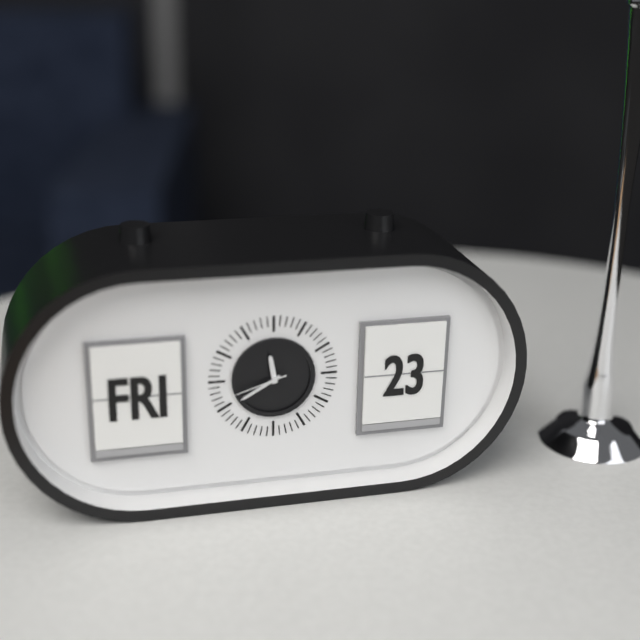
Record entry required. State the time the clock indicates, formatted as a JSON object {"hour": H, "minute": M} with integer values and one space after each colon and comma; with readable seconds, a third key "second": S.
{"hour": 11, "minute": 40, "second": 42}
